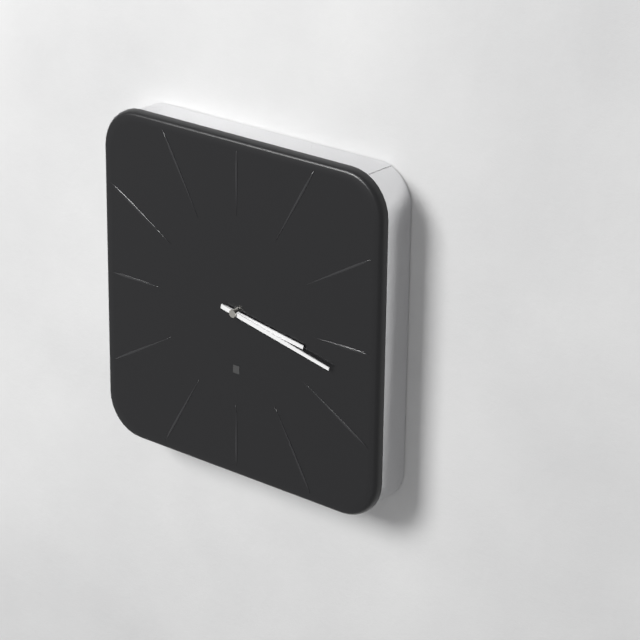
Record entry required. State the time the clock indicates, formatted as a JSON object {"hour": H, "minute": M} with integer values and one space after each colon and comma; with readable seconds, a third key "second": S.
{"hour": 3, "minute": 17}
